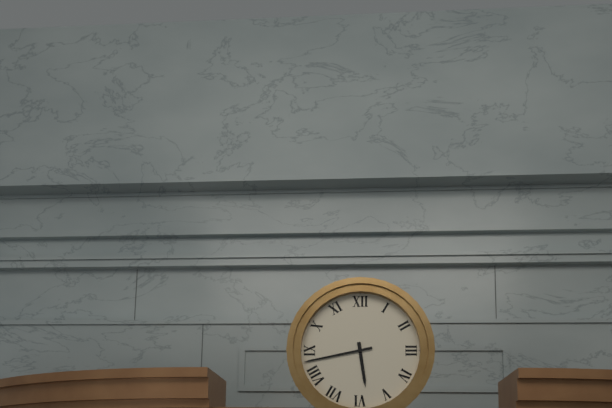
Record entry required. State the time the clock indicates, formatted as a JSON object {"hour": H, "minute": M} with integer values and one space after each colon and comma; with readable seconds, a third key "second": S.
{"hour": 5, "minute": 43}
